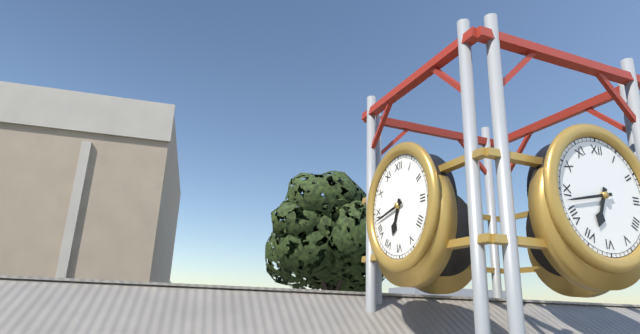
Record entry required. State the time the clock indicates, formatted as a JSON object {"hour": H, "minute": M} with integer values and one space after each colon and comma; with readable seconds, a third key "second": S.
{"hour": 6, "minute": 43}
